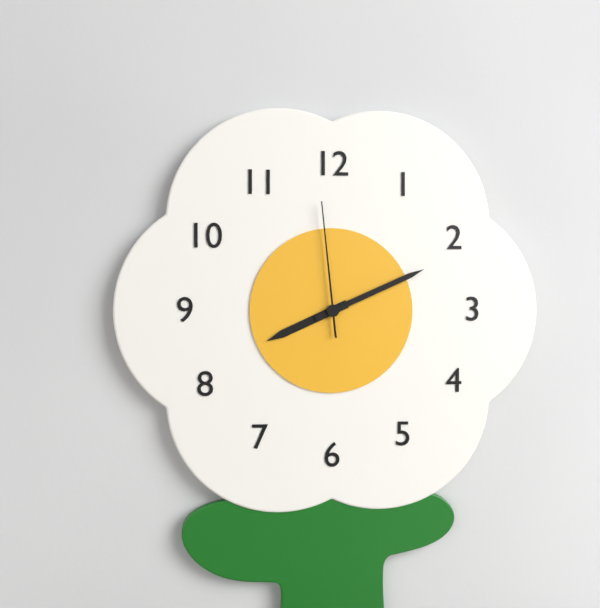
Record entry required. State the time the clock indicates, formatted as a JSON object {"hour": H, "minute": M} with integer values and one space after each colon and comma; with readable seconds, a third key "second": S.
{"hour": 8, "minute": 11, "second": 59}
